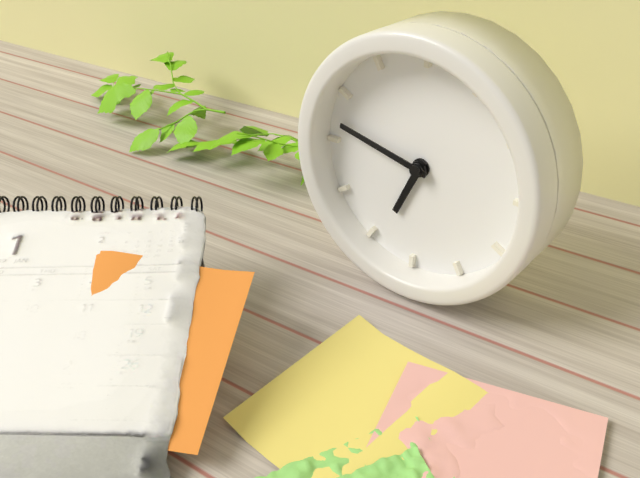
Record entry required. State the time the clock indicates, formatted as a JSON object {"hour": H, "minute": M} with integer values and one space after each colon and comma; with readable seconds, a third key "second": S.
{"hour": 6, "minute": 47}
